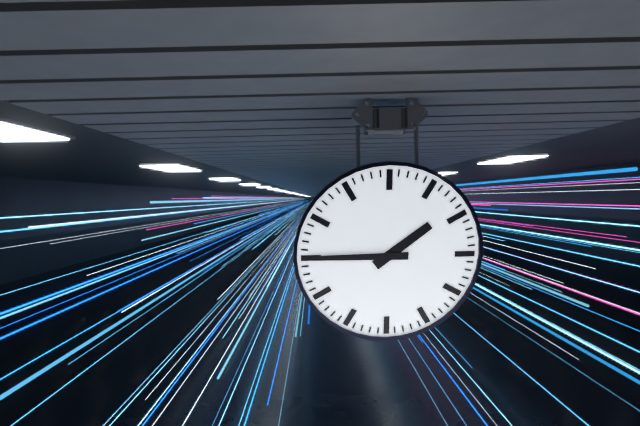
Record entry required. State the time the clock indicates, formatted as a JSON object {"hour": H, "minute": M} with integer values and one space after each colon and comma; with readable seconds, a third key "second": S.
{"hour": 1, "minute": 45}
